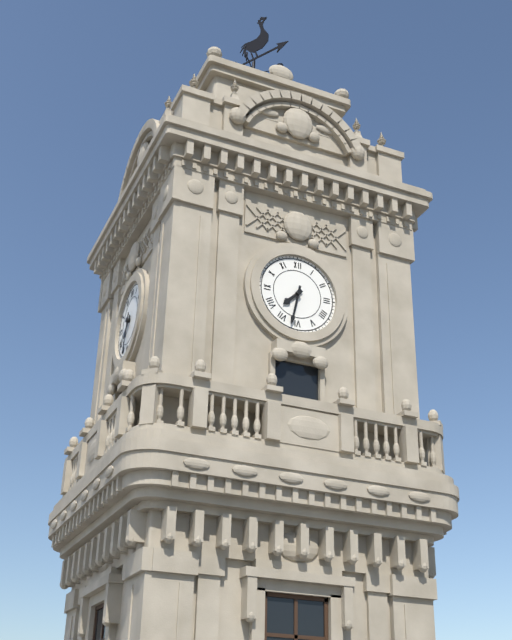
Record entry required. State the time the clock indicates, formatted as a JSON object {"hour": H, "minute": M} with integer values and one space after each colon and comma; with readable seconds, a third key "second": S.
{"hour": 7, "minute": 32}
